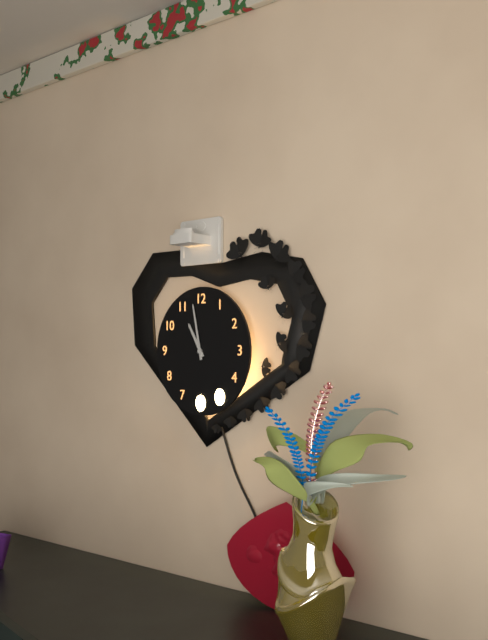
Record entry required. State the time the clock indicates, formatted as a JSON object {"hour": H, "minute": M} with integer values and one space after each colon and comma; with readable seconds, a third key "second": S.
{"hour": 10, "minute": 58}
